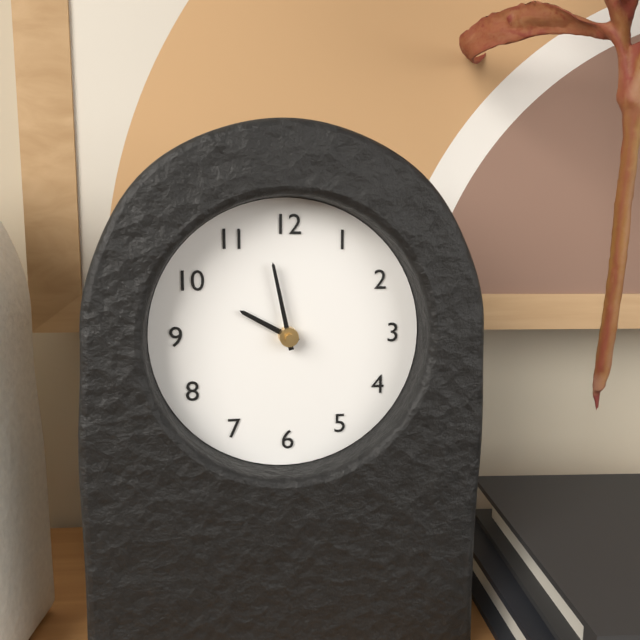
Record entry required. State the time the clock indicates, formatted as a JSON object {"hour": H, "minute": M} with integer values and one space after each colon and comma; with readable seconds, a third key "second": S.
{"hour": 9, "minute": 58}
